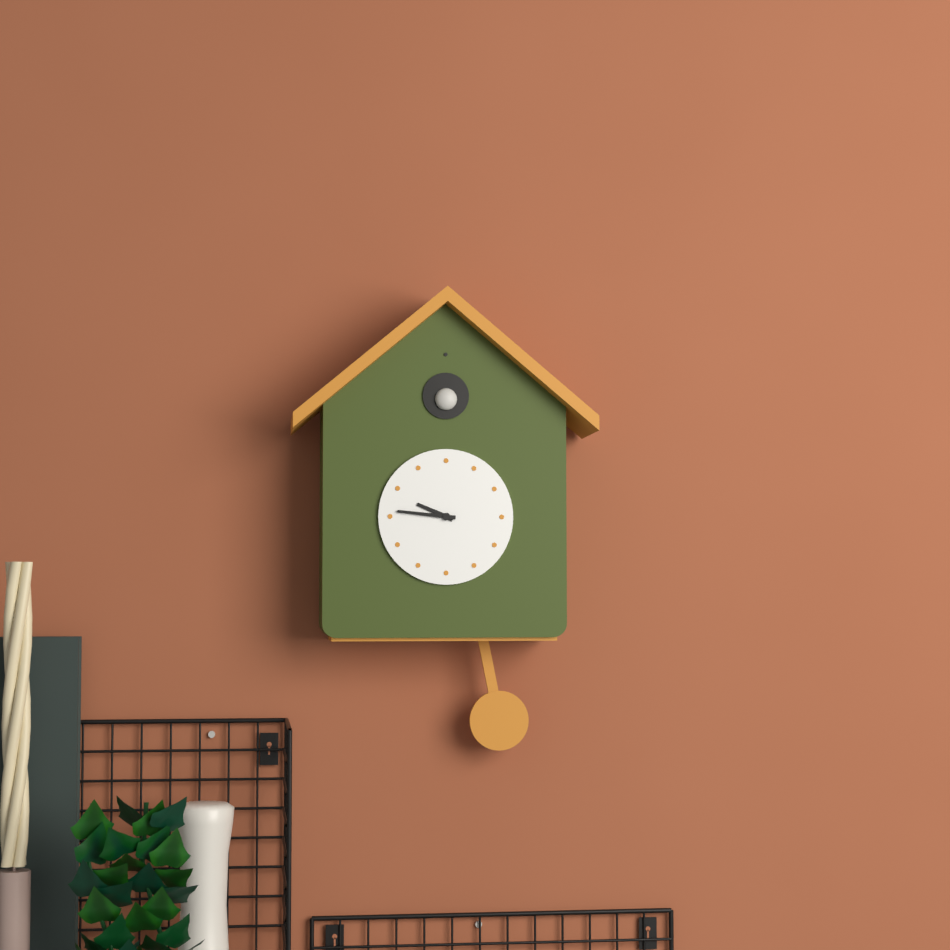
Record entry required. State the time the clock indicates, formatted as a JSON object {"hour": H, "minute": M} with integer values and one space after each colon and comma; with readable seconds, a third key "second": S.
{"hour": 9, "minute": 46}
